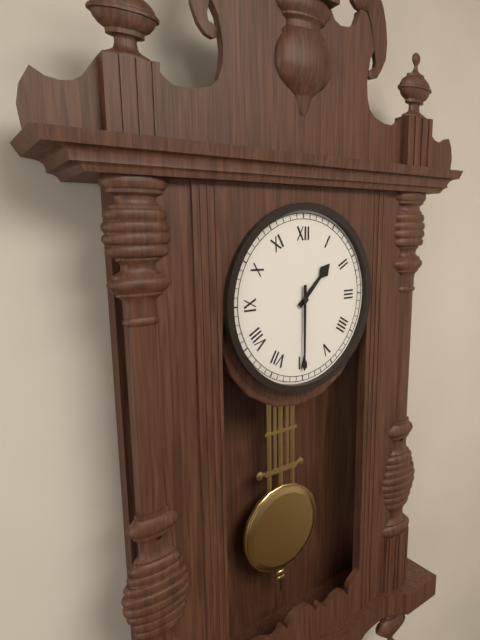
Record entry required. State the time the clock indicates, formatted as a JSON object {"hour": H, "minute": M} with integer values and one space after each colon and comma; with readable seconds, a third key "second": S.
{"hour": 1, "minute": 30}
